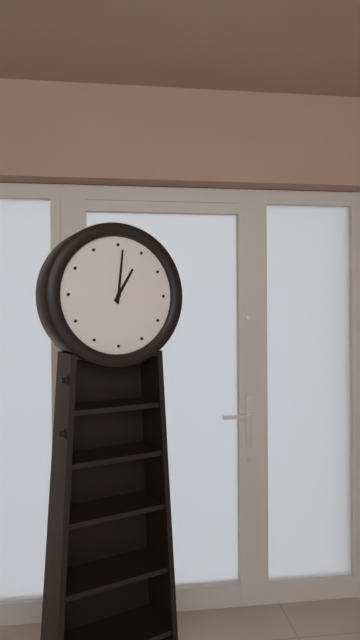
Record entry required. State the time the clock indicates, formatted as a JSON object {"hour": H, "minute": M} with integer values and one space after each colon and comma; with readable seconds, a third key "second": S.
{"hour": 1, "minute": 1}
